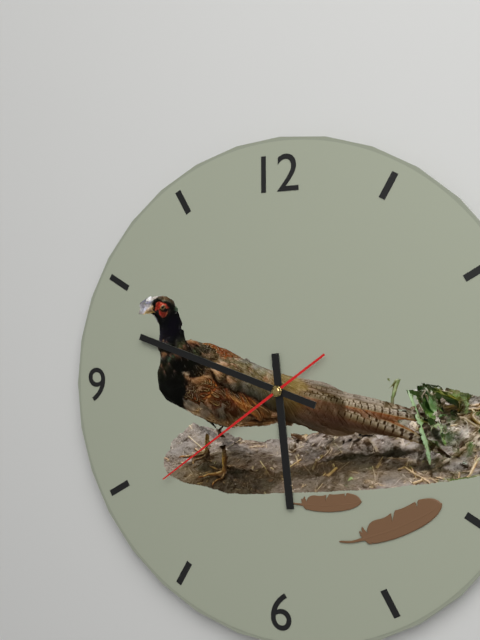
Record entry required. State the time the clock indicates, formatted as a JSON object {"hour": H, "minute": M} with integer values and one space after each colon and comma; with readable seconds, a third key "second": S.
{"hour": 5, "minute": 48, "second": 39}
